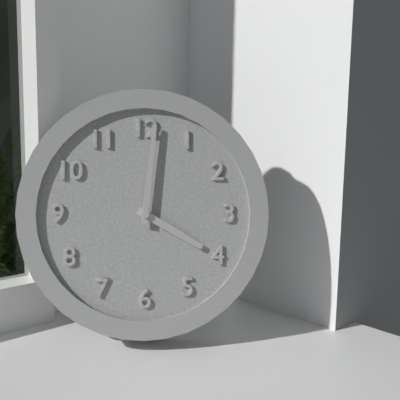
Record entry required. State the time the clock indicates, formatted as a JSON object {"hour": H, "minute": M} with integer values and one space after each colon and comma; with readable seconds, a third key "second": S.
{"hour": 4, "minute": 1}
